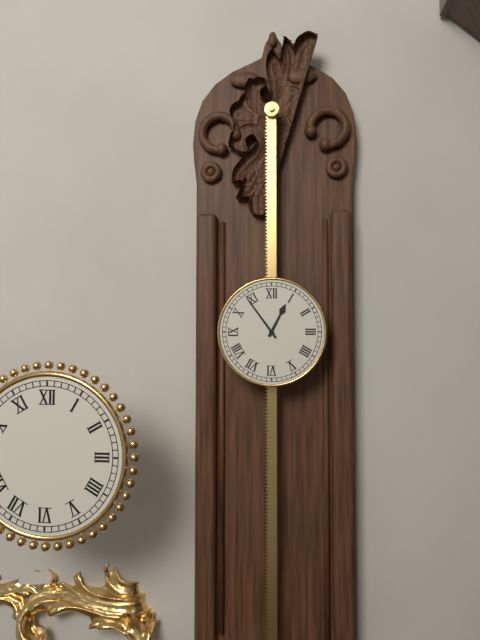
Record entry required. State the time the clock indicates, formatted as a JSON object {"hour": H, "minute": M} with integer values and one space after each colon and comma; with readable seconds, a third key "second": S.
{"hour": 12, "minute": 54}
